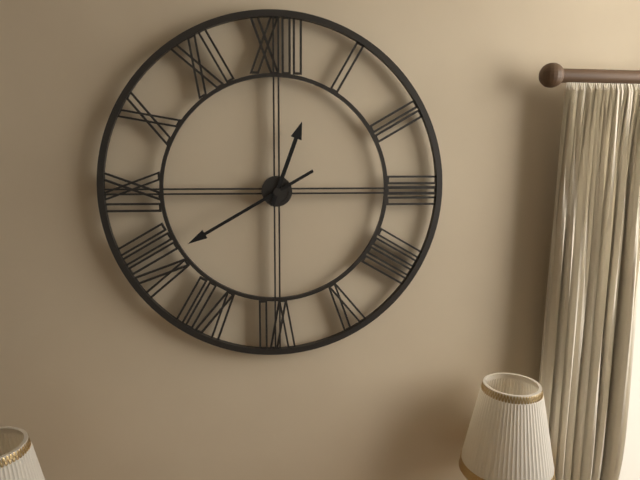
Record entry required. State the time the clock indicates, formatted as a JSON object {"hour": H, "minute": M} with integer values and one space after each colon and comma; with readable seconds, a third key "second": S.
{"hour": 12, "minute": 40}
